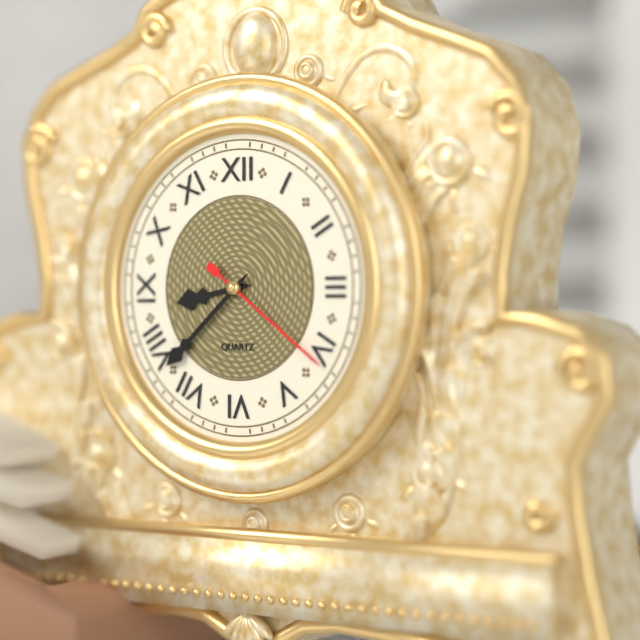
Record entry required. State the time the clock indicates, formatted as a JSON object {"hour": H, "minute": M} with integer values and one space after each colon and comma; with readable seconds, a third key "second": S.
{"hour": 8, "minute": 38, "second": 21}
